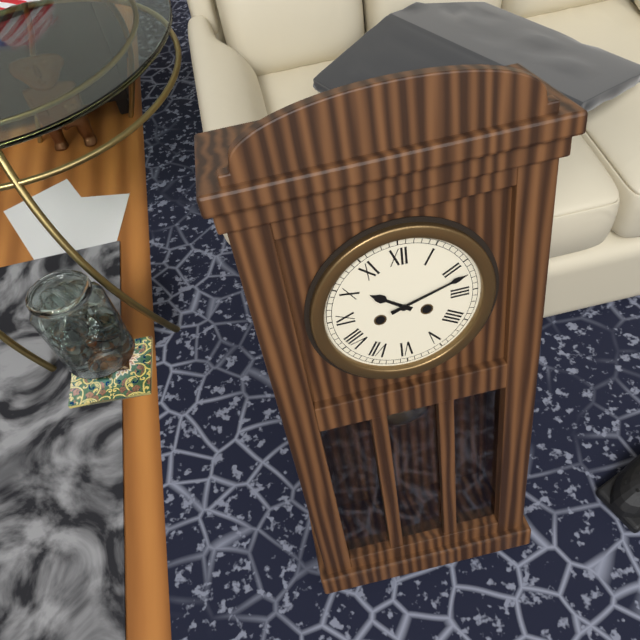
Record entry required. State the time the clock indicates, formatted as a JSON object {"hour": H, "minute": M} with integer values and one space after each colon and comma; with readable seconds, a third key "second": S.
{"hour": 10, "minute": 12}
